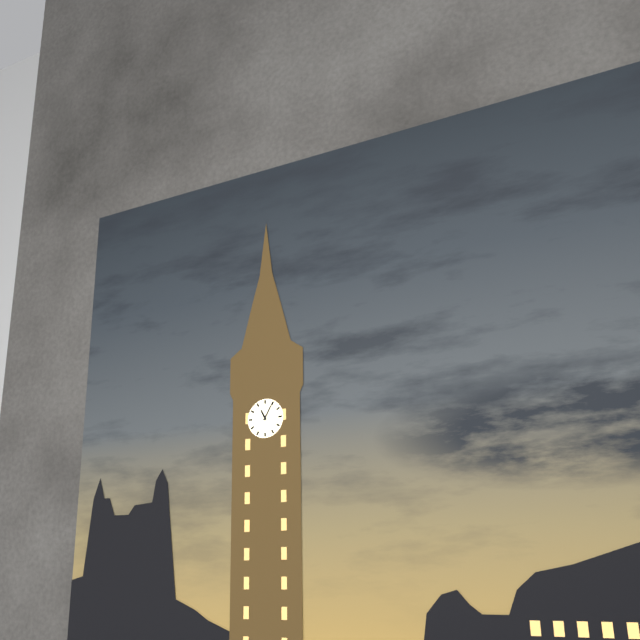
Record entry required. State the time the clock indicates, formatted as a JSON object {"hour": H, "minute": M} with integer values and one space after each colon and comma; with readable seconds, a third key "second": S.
{"hour": 11, "minute": 5}
